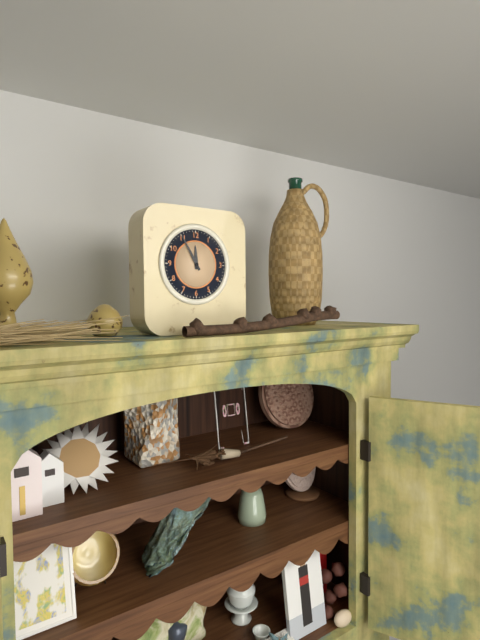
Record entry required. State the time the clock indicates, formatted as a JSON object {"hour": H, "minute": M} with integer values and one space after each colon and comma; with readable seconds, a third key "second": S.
{"hour": 11, "minute": 55}
